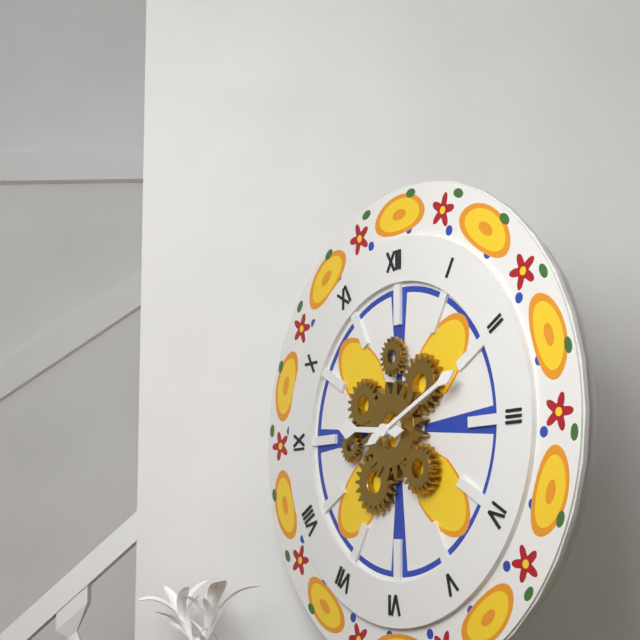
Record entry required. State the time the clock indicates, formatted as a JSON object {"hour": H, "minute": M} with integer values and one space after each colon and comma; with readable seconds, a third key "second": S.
{"hour": 9, "minute": 11}
